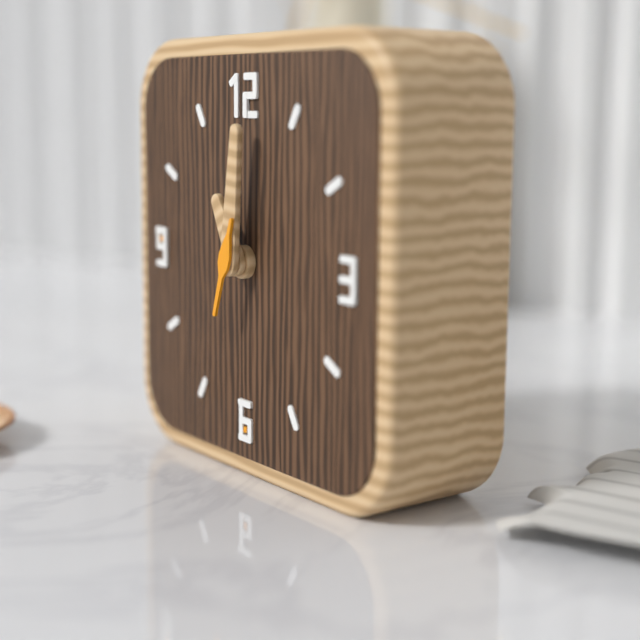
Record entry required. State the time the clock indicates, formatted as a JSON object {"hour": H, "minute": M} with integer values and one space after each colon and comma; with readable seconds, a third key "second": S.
{"hour": 11, "minute": 1, "second": 33}
